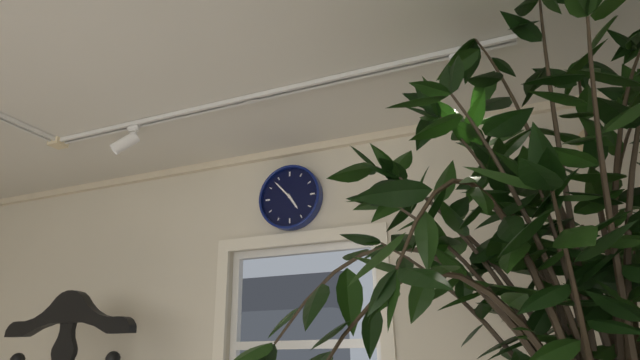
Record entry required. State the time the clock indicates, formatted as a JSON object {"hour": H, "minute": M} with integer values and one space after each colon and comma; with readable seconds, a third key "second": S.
{"hour": 4, "minute": 53}
